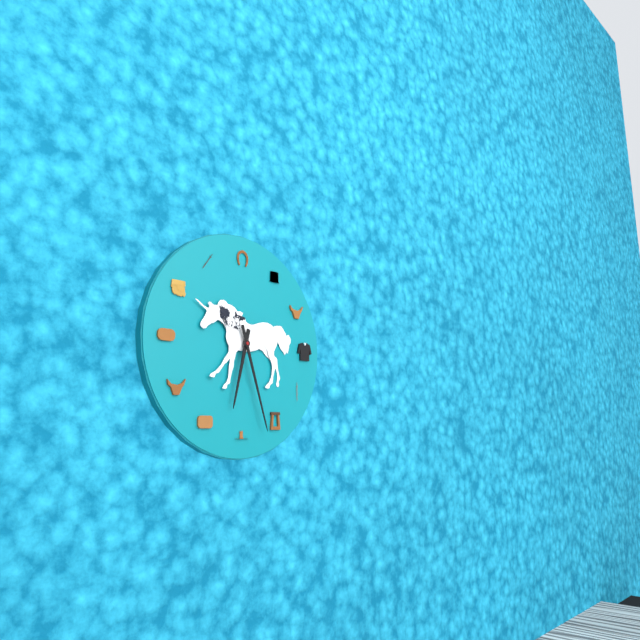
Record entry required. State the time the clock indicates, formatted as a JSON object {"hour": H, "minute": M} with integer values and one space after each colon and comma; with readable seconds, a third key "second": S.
{"hour": 6, "minute": 27}
